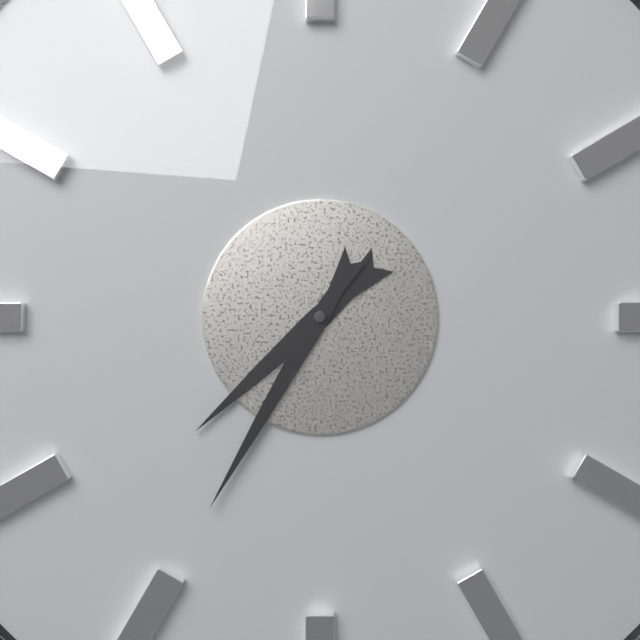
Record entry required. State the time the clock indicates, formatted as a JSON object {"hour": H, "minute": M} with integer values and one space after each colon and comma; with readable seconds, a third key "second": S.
{"hour": 7, "minute": 35}
